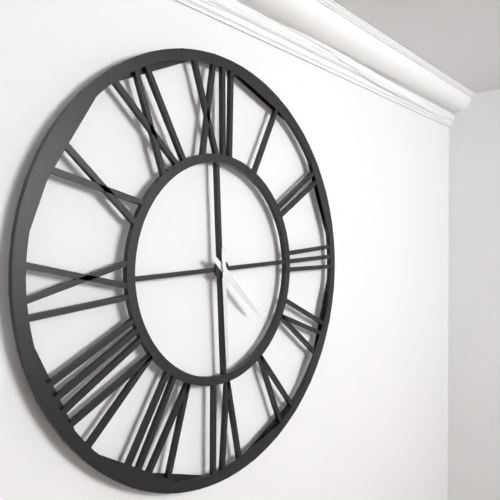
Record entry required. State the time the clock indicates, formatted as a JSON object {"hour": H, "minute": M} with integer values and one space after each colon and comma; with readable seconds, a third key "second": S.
{"hour": 4, "minute": 30}
